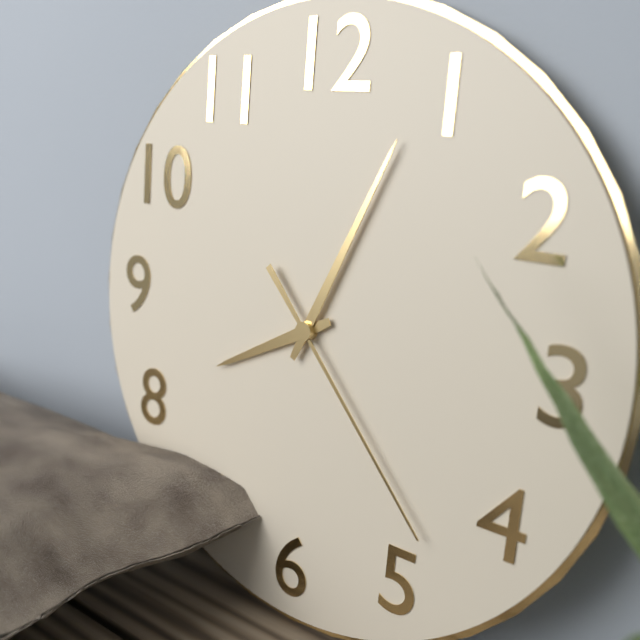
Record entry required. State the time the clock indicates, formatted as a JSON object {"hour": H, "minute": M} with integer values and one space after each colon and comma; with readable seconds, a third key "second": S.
{"hour": 8, "minute": 4, "second": 23}
